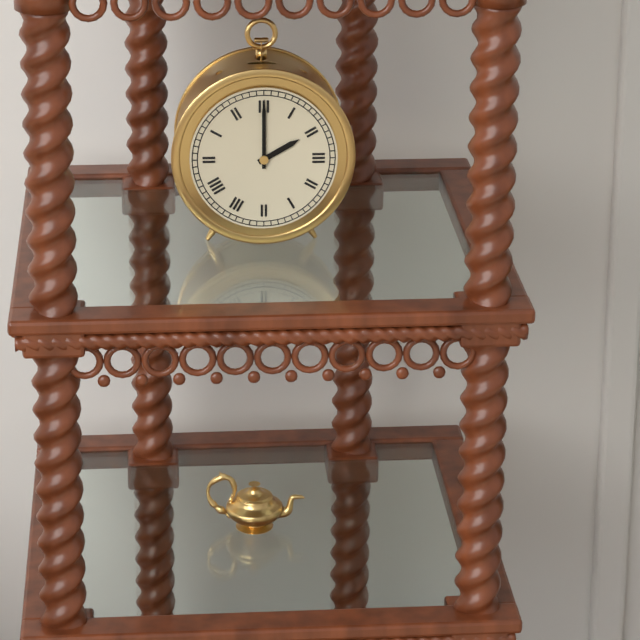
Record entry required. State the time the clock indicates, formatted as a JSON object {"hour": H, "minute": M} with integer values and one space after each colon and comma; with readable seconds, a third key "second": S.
{"hour": 2, "minute": 0}
